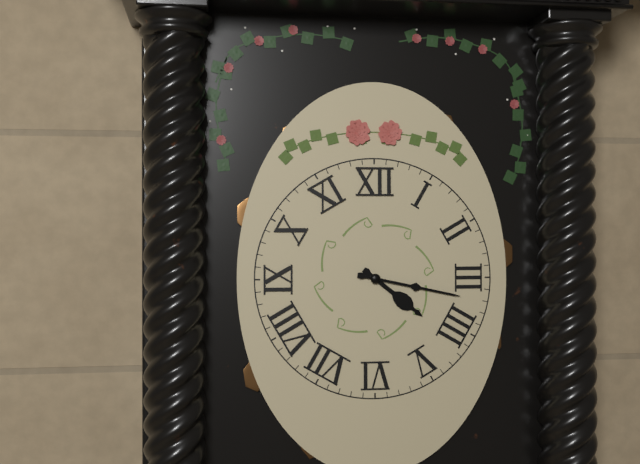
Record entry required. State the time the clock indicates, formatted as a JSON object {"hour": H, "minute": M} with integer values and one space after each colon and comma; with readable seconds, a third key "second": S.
{"hour": 4, "minute": 17}
